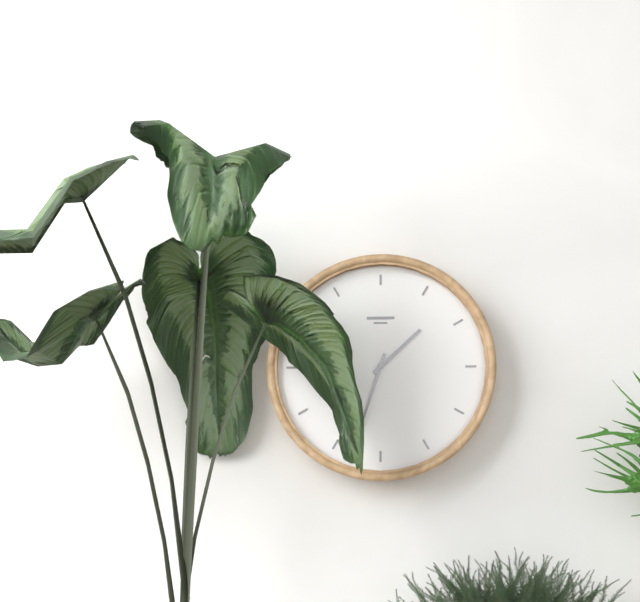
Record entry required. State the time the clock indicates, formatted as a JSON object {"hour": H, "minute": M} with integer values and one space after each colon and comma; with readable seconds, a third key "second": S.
{"hour": 1, "minute": 33}
